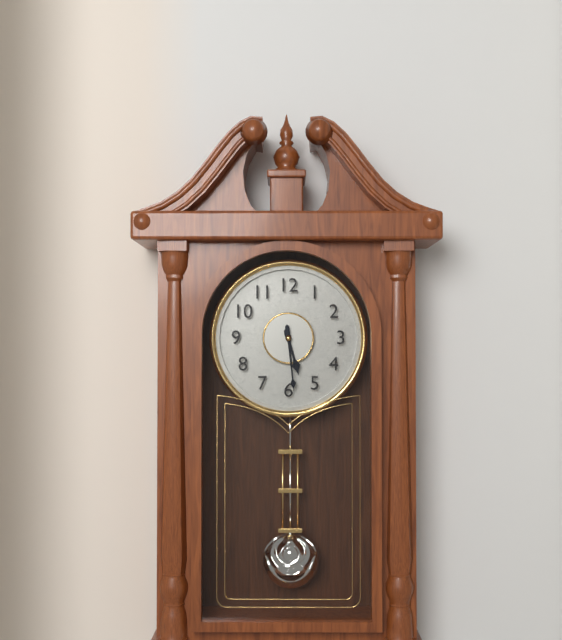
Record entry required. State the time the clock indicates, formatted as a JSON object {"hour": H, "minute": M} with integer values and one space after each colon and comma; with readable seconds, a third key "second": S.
{"hour": 5, "minute": 29}
